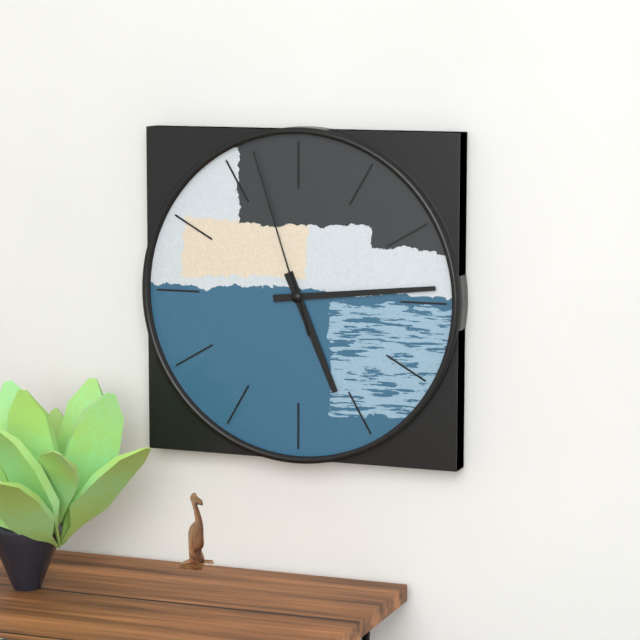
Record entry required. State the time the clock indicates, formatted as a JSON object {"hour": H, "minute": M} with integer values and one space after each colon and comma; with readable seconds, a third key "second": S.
{"hour": 5, "minute": 14, "second": 57}
